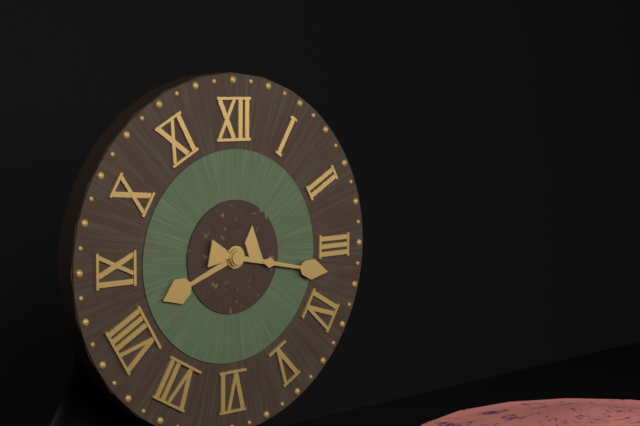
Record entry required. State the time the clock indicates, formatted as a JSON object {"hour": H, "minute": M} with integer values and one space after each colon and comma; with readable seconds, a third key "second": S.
{"hour": 8, "minute": 17}
